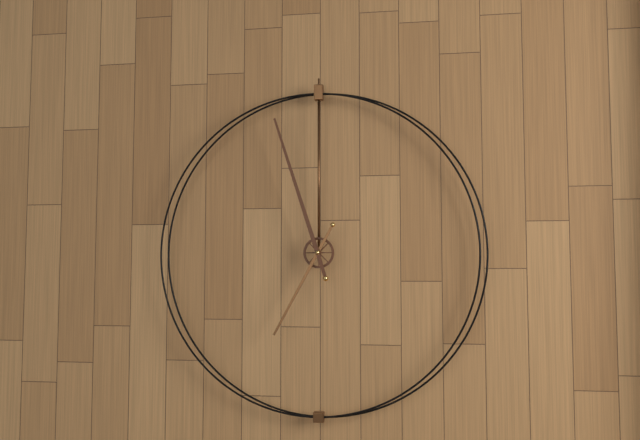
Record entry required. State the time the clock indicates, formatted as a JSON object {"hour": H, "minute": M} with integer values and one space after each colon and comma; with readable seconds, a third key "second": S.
{"hour": 6, "minute": 57}
